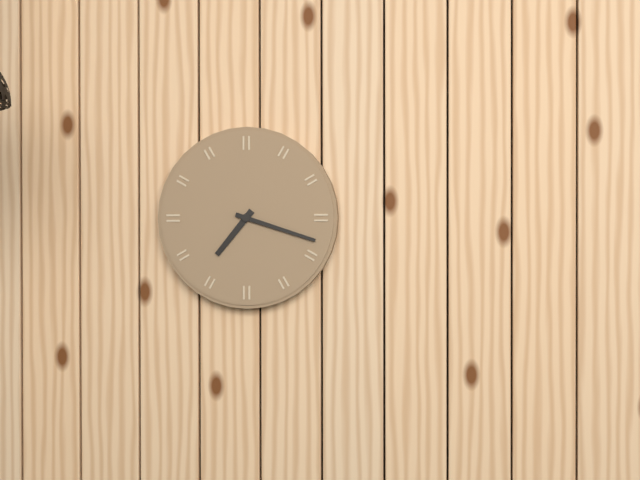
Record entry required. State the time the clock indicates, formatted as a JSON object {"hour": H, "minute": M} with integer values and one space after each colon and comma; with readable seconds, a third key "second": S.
{"hour": 7, "minute": 18}
